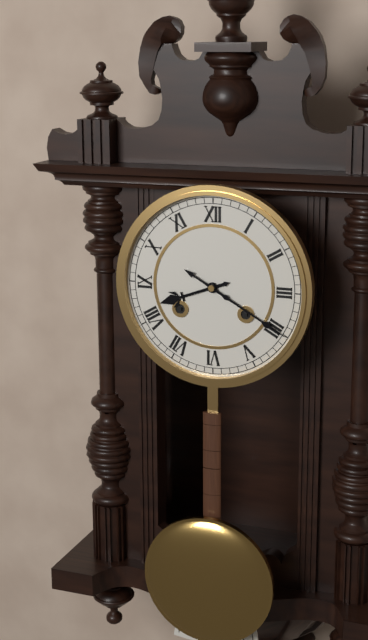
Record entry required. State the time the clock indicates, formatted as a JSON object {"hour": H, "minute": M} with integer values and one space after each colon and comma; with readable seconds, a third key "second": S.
{"hour": 8, "minute": 20}
